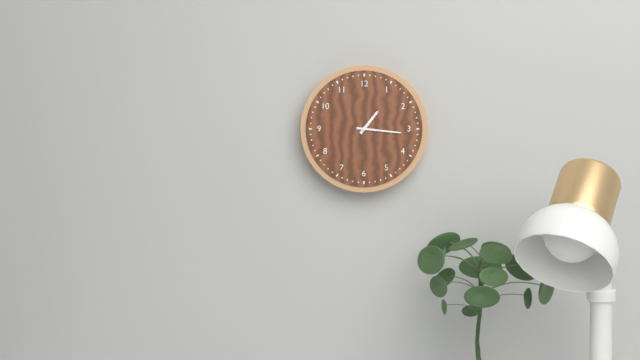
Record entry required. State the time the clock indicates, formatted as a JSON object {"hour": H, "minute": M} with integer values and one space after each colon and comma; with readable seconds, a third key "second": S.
{"hour": 1, "minute": 16}
